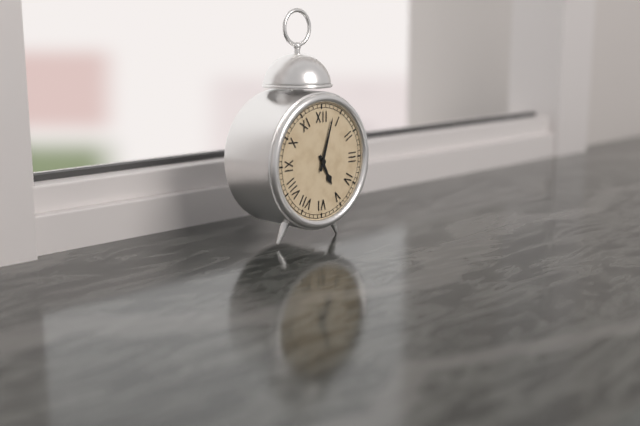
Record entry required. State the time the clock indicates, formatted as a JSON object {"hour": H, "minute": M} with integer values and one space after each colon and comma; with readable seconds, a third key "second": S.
{"hour": 5, "minute": 3}
